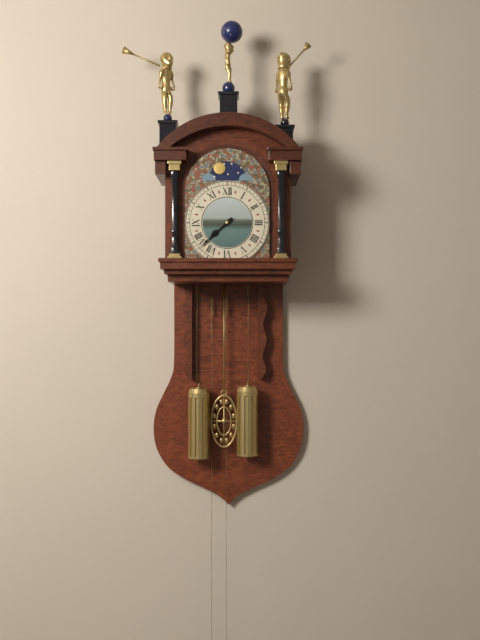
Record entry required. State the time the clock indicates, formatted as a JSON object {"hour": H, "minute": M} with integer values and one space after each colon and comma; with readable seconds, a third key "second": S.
{"hour": 7, "minute": 38}
